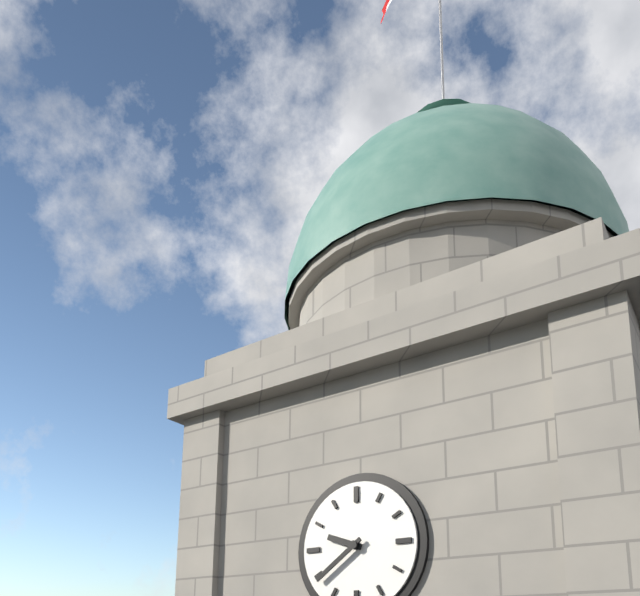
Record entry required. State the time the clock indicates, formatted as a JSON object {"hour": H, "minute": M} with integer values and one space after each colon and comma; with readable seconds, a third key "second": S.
{"hour": 9, "minute": 39}
